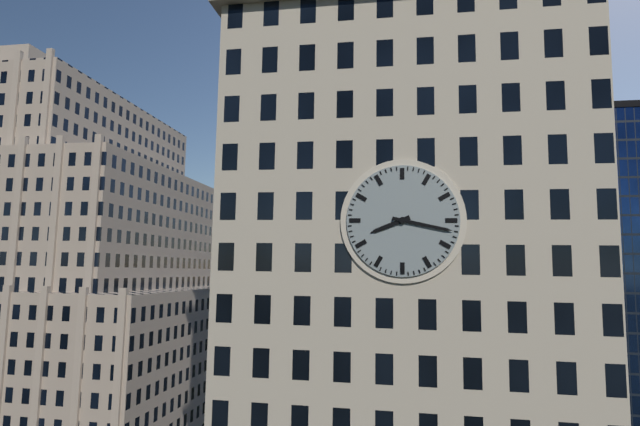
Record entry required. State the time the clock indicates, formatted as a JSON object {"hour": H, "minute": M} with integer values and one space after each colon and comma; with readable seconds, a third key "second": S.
{"hour": 8, "minute": 17}
